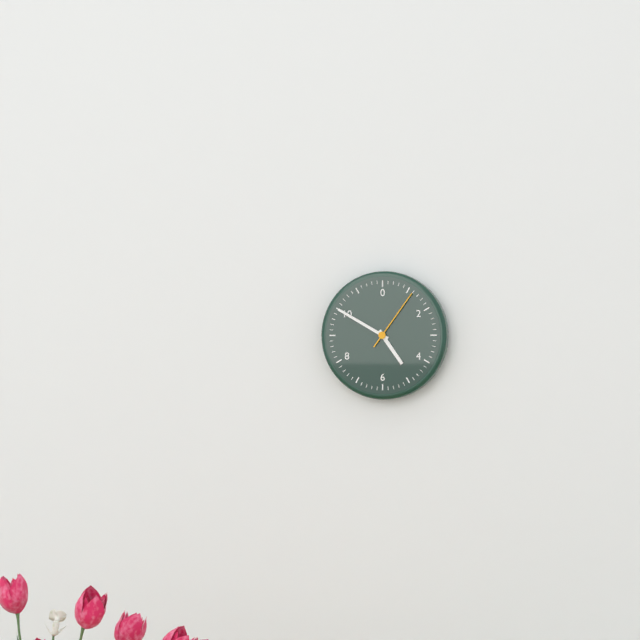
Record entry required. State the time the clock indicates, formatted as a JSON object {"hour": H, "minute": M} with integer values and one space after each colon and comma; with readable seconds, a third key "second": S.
{"hour": 4, "minute": 50, "second": 6}
